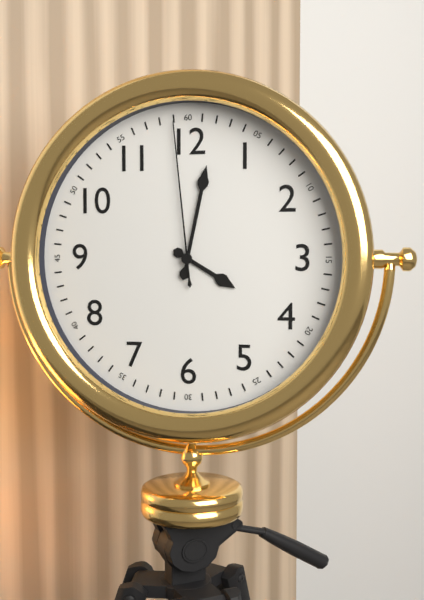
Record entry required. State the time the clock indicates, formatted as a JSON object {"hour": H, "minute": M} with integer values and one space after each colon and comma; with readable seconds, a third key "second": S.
{"hour": 4, "minute": 2, "second": 59}
